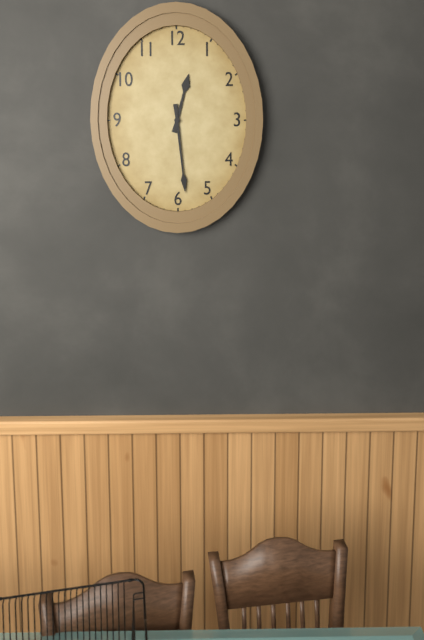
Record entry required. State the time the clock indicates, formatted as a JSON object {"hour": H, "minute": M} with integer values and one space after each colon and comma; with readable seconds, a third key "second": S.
{"hour": 12, "minute": 29}
